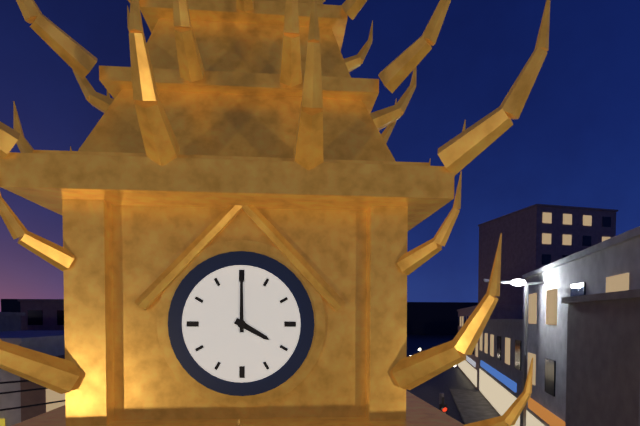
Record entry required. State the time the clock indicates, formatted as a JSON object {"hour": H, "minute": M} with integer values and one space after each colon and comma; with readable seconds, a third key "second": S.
{"hour": 4, "minute": 0}
